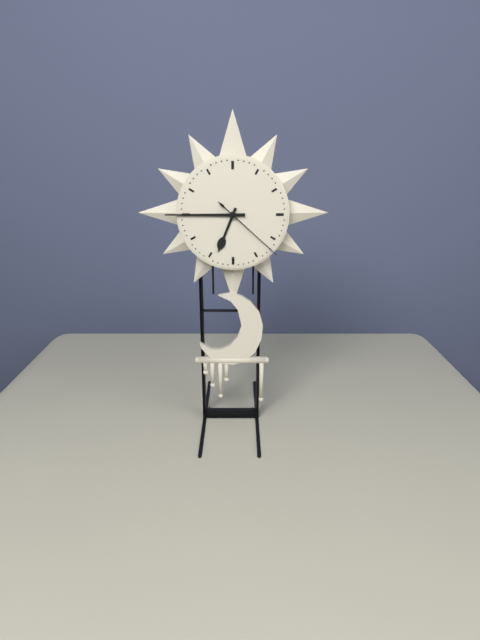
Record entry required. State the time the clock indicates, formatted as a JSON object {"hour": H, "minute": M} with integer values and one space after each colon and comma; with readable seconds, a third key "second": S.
{"hour": 6, "minute": 45, "second": 22}
